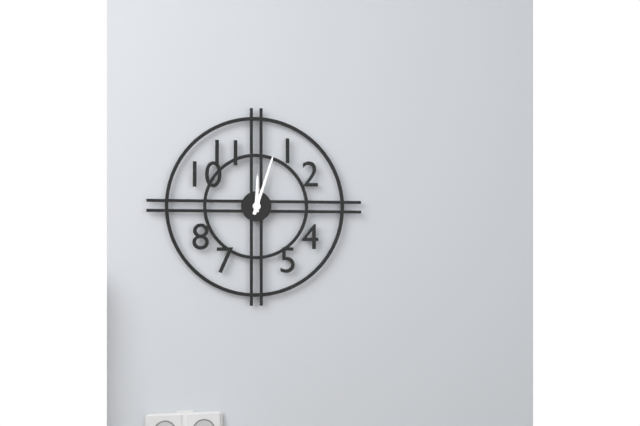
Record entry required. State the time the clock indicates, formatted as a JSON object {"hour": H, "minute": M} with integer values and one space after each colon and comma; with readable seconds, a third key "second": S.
{"hour": 12, "minute": 3}
